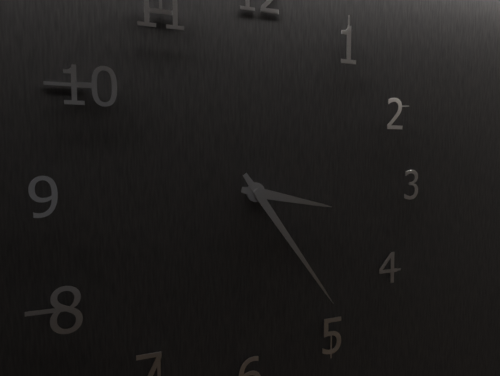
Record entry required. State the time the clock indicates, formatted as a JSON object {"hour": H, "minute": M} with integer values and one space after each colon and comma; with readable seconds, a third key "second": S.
{"hour": 3, "minute": 24}
